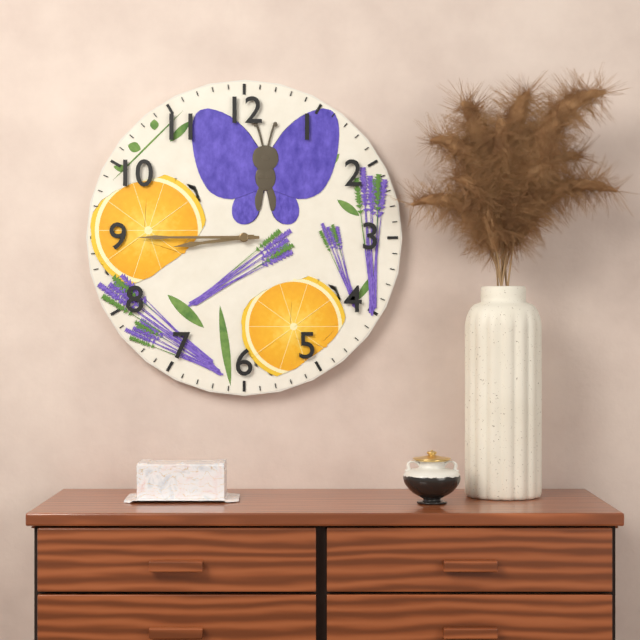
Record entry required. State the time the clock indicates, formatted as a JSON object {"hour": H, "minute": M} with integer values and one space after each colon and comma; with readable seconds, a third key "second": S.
{"hour": 8, "minute": 45}
